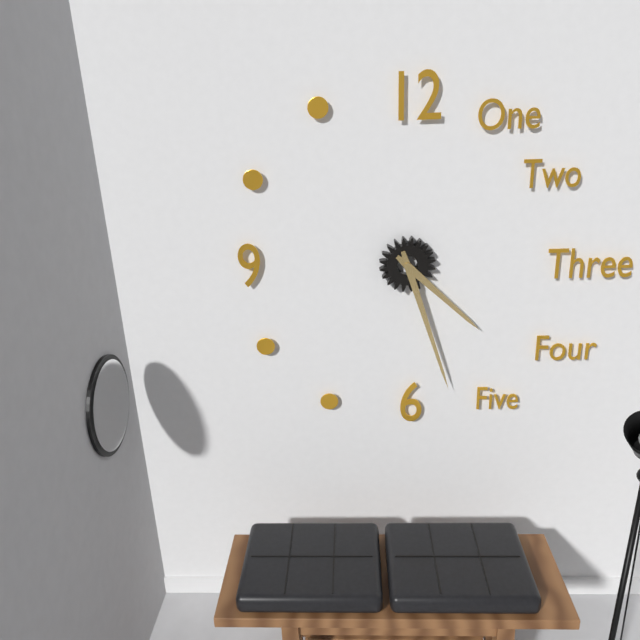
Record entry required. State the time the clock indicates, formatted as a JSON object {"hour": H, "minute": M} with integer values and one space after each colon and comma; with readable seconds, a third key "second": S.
{"hour": 4, "minute": 27}
